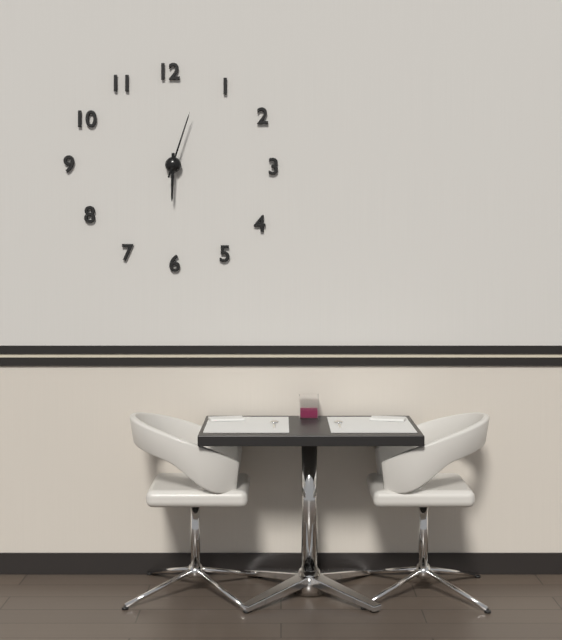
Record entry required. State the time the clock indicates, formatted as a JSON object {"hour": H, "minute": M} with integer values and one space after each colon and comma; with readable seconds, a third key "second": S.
{"hour": 6, "minute": 3}
